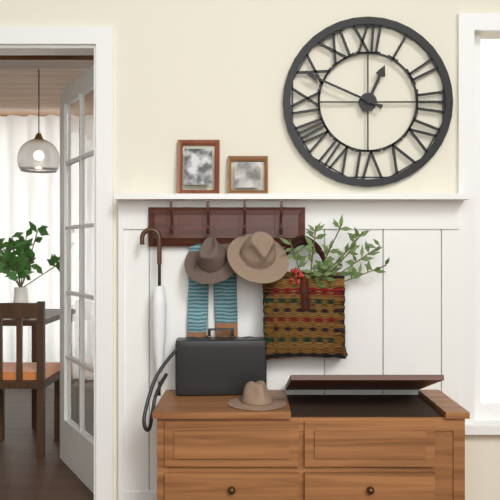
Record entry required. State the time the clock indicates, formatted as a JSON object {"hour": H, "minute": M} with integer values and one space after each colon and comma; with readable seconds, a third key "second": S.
{"hour": 12, "minute": 49}
